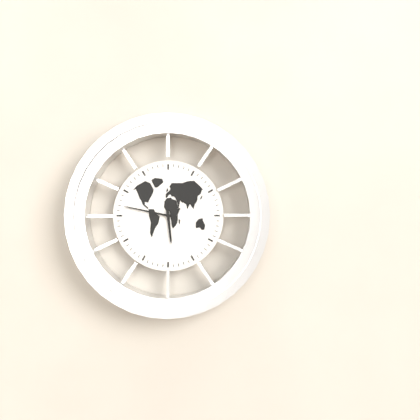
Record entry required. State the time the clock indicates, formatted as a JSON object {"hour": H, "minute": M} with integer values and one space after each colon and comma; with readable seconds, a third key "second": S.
{"hour": 5, "minute": 47}
